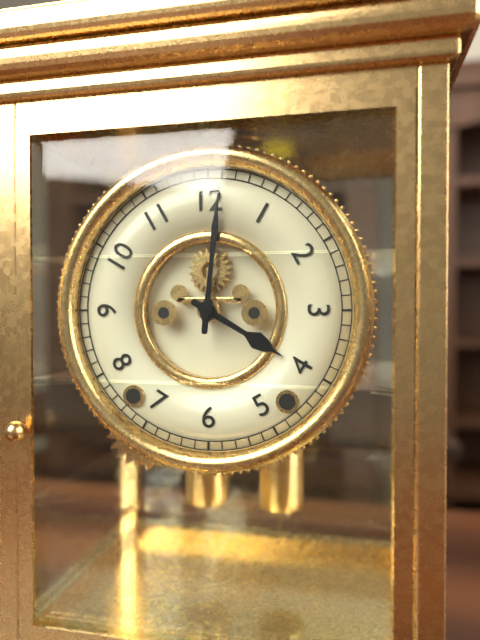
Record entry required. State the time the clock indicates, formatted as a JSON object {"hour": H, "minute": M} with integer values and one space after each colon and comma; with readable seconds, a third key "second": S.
{"hour": 4, "minute": 1}
